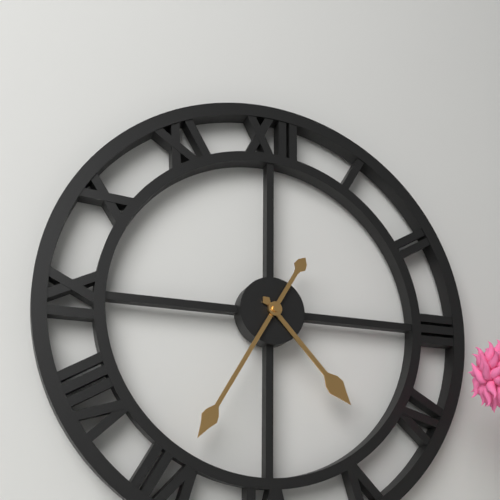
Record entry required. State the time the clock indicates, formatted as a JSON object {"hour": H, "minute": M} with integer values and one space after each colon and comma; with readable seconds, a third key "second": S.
{"hour": 4, "minute": 35}
